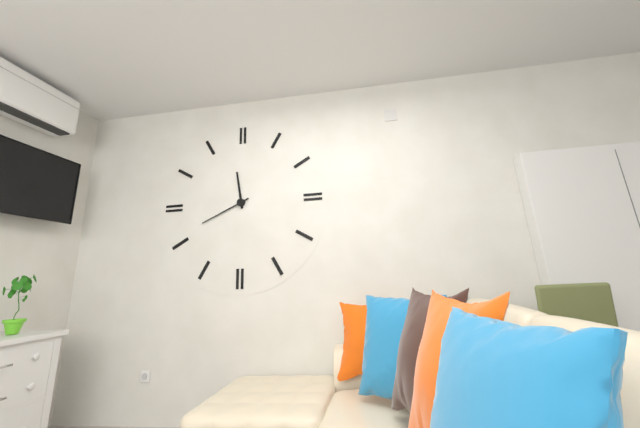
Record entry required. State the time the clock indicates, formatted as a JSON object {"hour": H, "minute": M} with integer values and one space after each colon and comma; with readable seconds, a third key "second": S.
{"hour": 11, "minute": 41}
